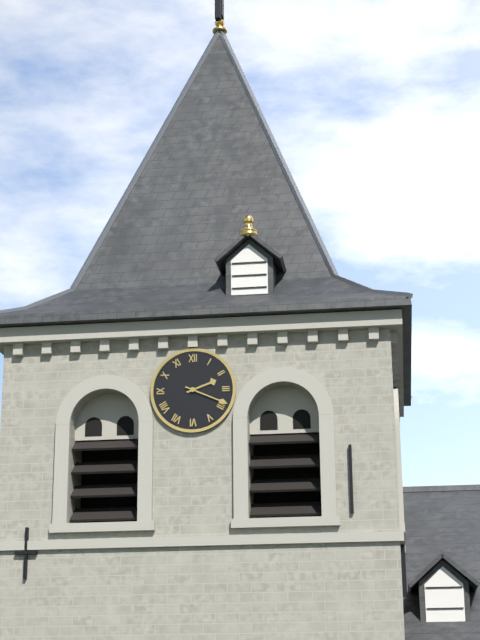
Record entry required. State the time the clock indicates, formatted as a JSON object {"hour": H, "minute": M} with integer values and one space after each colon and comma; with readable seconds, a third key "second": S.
{"hour": 2, "minute": 19}
